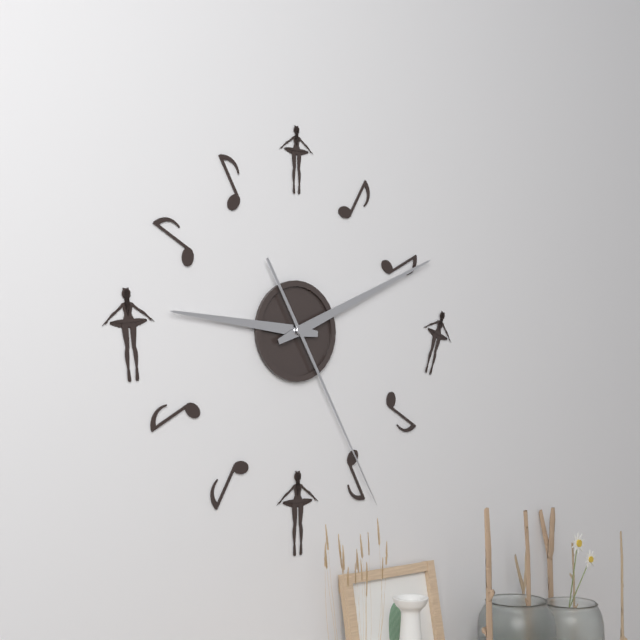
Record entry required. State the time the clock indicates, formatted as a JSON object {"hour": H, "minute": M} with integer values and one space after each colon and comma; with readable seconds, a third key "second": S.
{"hour": 9, "minute": 11, "second": 25}
